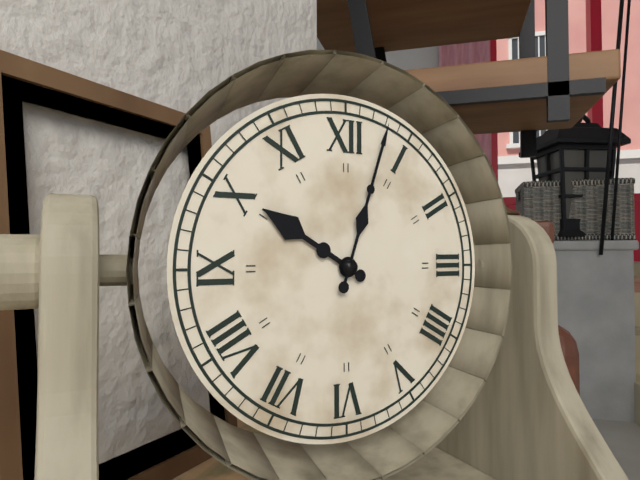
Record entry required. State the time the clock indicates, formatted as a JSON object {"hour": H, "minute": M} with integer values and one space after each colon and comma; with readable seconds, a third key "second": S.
{"hour": 10, "minute": 3}
